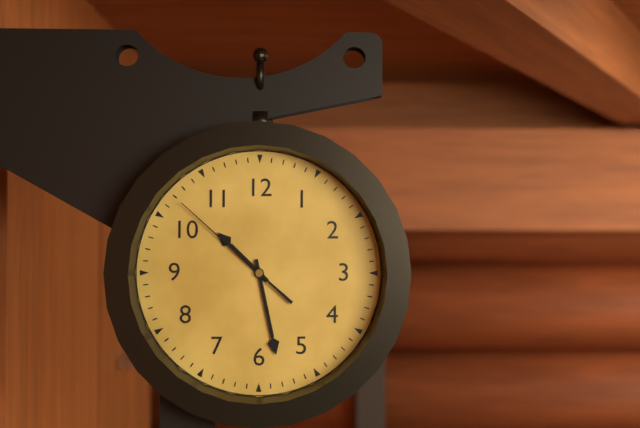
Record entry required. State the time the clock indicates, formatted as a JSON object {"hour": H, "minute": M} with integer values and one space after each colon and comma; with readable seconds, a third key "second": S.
{"hour": 10, "minute": 28, "second": 52}
